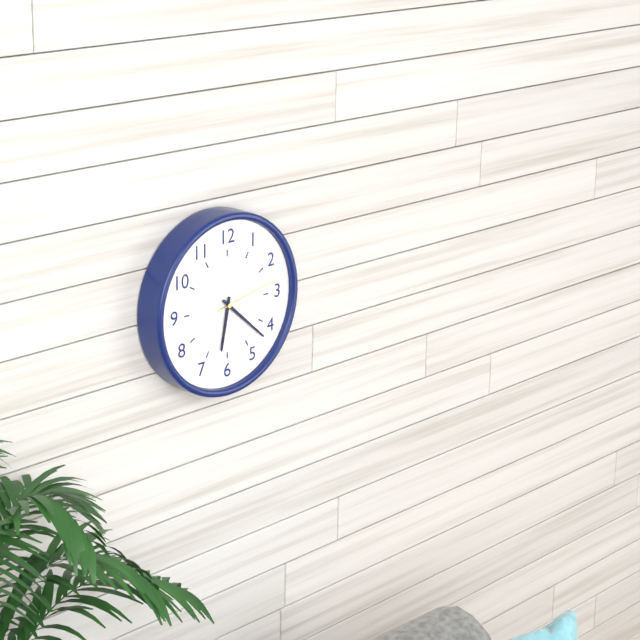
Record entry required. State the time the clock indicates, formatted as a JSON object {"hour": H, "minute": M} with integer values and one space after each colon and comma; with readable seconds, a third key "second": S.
{"hour": 6, "minute": 22, "second": 13}
